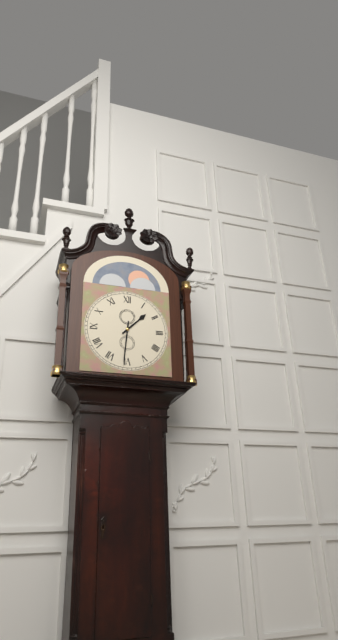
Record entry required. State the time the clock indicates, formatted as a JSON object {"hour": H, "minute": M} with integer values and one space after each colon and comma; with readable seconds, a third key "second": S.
{"hour": 1, "minute": 31}
